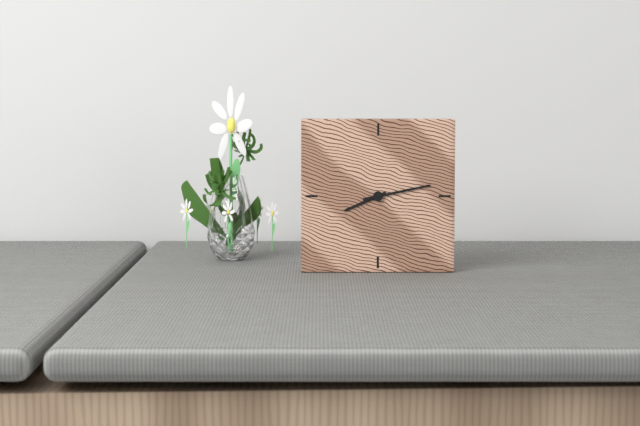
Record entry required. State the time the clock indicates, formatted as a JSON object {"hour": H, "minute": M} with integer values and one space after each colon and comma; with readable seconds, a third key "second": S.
{"hour": 8, "minute": 13}
